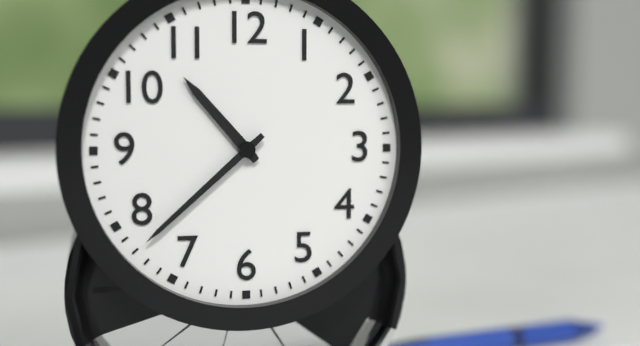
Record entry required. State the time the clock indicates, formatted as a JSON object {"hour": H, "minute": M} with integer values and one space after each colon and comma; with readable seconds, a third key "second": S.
{"hour": 10, "minute": 38}
